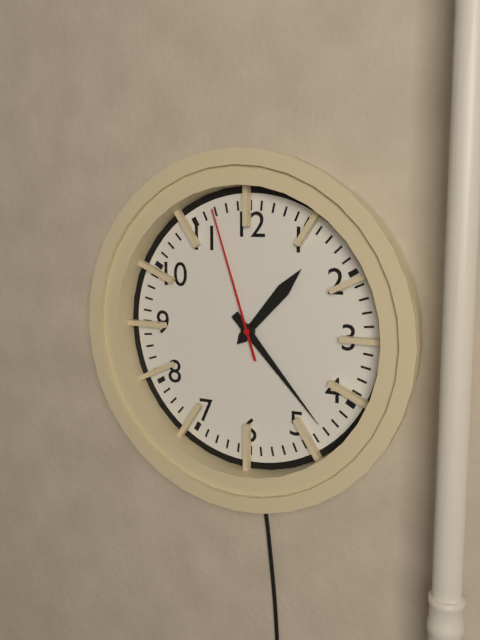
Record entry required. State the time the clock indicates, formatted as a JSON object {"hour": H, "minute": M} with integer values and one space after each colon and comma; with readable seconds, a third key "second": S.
{"hour": 1, "minute": 23, "second": 57}
